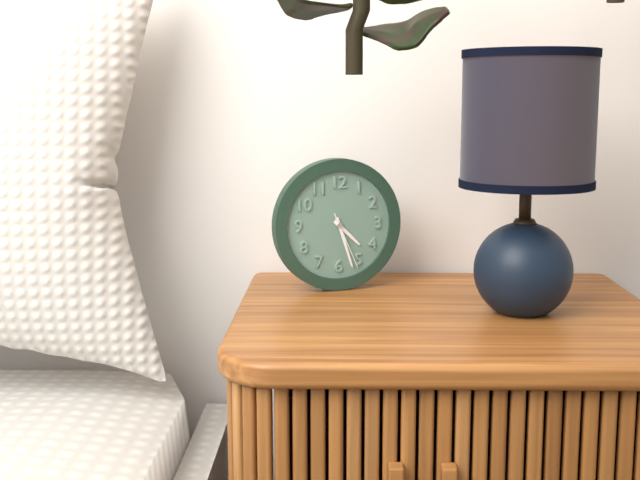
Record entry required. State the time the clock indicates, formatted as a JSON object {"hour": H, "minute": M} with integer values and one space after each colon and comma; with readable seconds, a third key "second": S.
{"hour": 4, "minute": 27, "second": 26}
